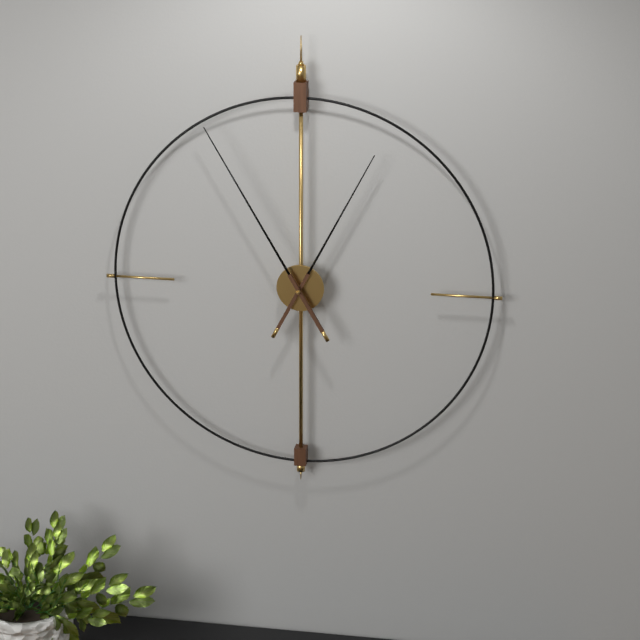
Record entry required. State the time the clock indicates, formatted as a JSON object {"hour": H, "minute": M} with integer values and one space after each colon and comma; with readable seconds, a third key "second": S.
{"hour": 12, "minute": 55}
